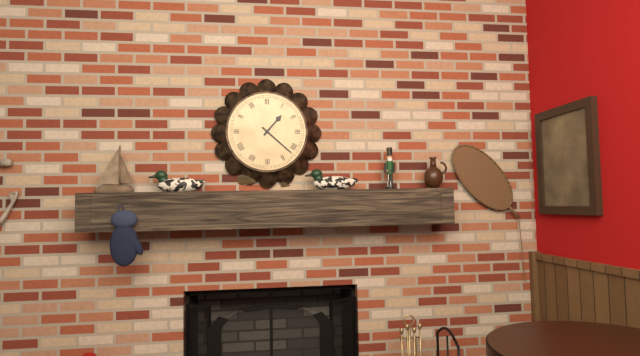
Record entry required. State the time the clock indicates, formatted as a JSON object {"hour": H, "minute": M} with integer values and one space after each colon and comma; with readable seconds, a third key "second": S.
{"hour": 1, "minute": 22}
